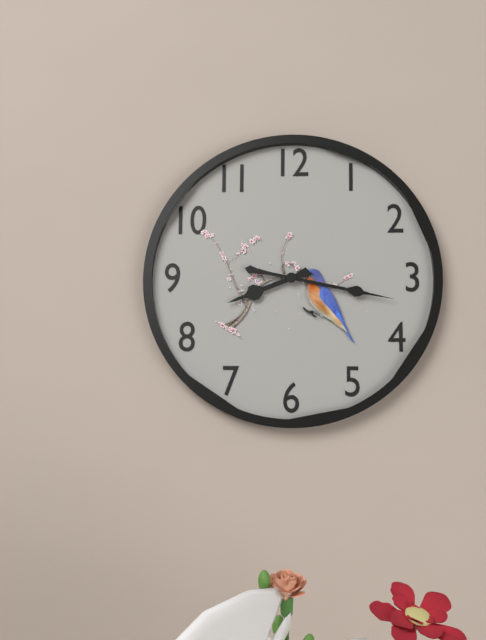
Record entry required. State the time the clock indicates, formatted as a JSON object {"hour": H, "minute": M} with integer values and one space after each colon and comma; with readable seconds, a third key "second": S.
{"hour": 8, "minute": 17}
